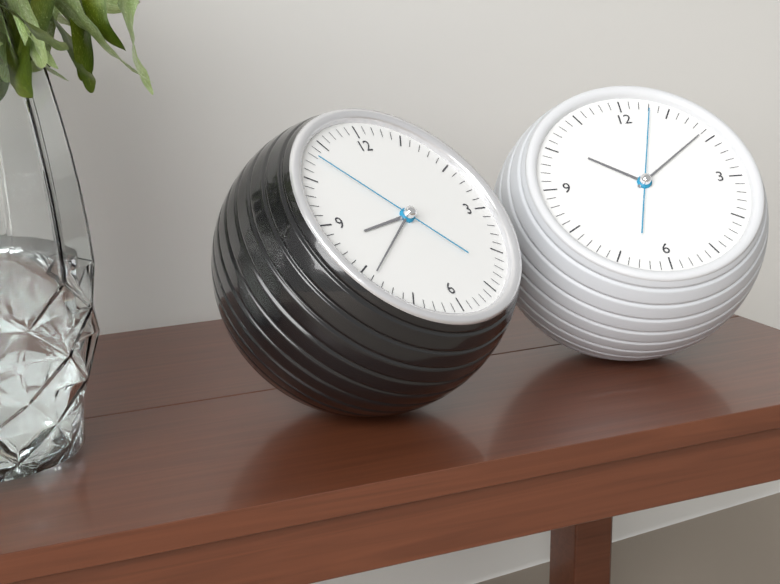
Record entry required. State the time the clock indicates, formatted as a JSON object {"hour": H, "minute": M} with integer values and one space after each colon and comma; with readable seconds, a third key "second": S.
{"hour": 8, "minute": 39, "second": 53}
